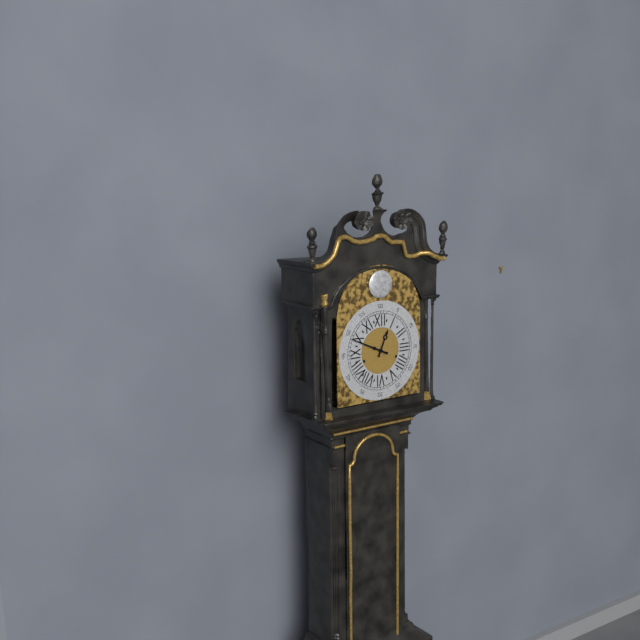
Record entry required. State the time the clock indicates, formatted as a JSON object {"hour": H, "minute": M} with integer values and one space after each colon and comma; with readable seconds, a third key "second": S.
{"hour": 12, "minute": 49}
